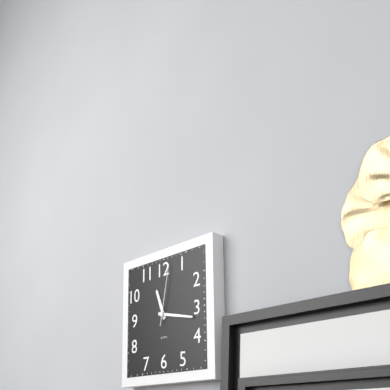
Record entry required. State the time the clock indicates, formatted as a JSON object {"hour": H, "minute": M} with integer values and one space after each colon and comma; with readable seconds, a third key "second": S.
{"hour": 11, "minute": 17, "second": 2}
